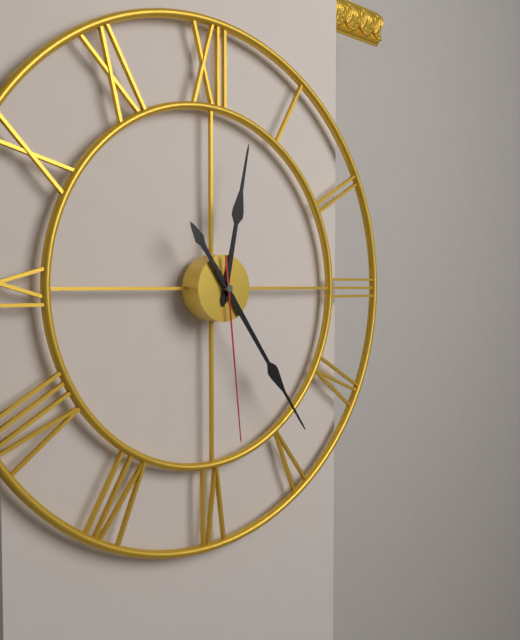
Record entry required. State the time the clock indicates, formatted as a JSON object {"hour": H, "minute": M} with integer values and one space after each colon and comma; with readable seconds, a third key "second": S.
{"hour": 12, "minute": 24, "second": 29}
